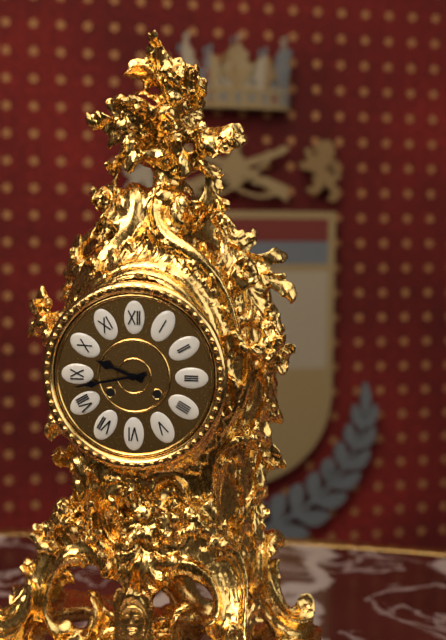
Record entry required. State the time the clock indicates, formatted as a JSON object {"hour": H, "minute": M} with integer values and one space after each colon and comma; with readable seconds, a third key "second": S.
{"hour": 9, "minute": 43}
